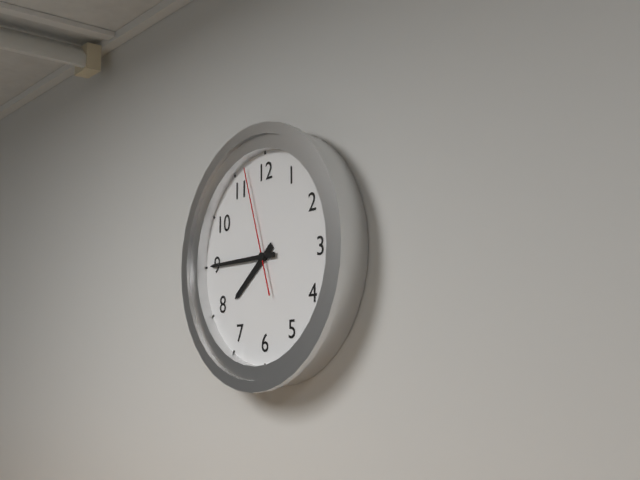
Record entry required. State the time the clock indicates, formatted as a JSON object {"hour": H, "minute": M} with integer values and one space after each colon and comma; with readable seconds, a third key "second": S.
{"hour": 7, "minute": 45, "second": 57}
